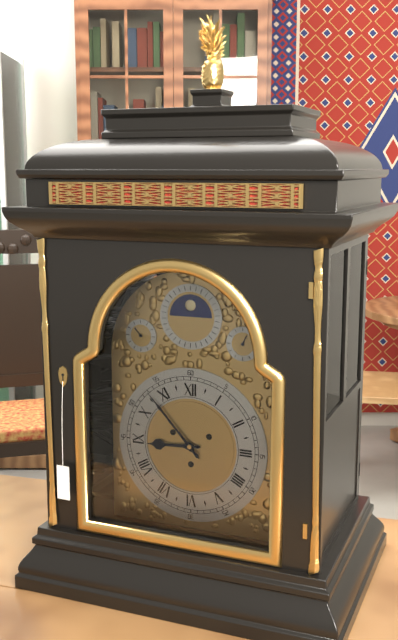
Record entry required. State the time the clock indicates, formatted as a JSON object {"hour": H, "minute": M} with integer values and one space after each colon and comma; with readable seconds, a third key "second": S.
{"hour": 8, "minute": 53}
